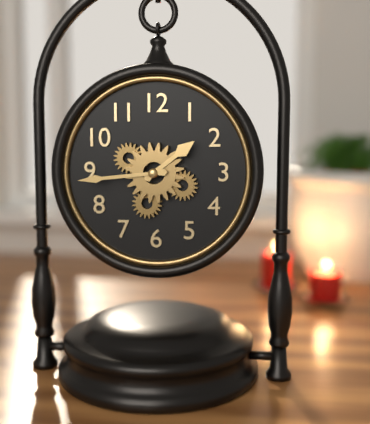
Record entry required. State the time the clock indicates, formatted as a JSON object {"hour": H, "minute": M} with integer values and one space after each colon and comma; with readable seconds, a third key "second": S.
{"hour": 1, "minute": 44}
